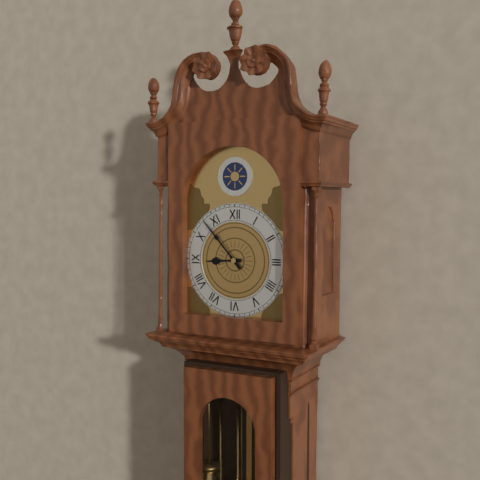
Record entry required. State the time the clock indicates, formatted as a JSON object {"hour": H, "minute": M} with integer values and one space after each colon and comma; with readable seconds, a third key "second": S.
{"hour": 8, "minute": 53}
